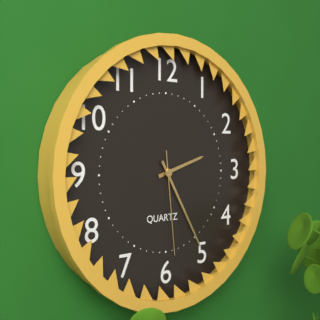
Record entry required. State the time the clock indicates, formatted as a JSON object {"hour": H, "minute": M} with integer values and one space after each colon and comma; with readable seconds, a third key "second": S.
{"hour": 2, "minute": 25, "second": 29}
